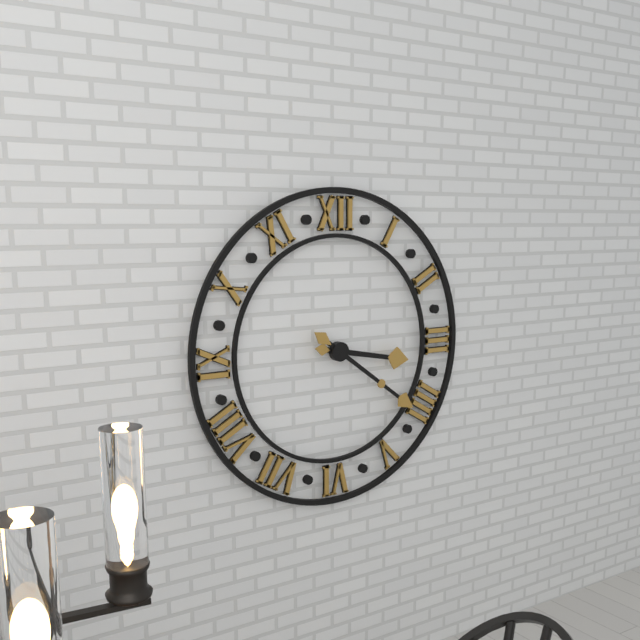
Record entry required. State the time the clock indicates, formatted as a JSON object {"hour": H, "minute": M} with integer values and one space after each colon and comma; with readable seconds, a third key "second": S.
{"hour": 3, "minute": 21}
